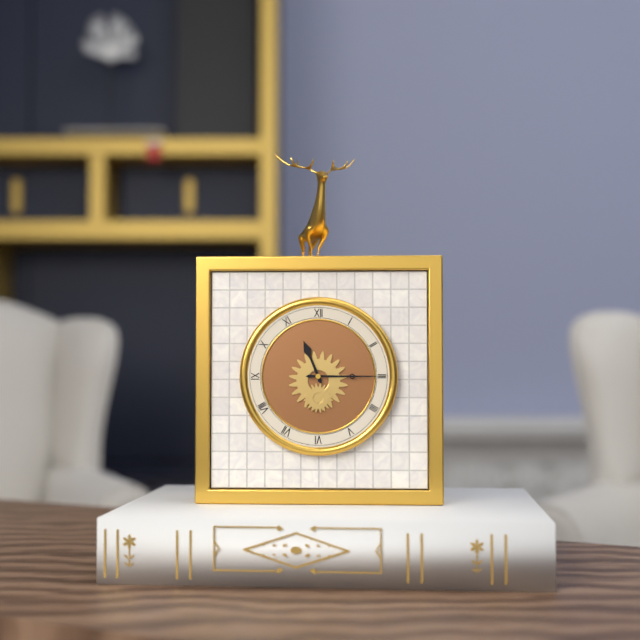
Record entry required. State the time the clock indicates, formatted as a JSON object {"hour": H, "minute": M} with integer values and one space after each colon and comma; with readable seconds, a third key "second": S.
{"hour": 11, "minute": 15}
